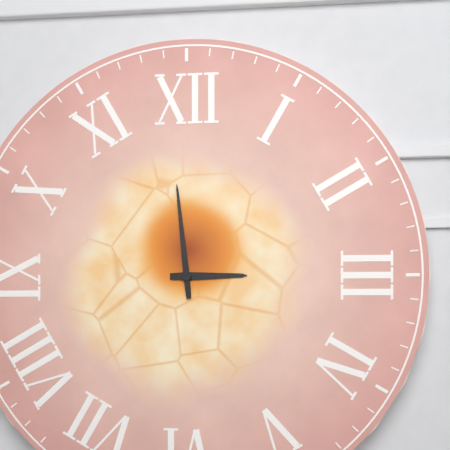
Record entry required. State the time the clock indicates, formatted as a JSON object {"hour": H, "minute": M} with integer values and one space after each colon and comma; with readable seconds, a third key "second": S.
{"hour": 2, "minute": 59}
